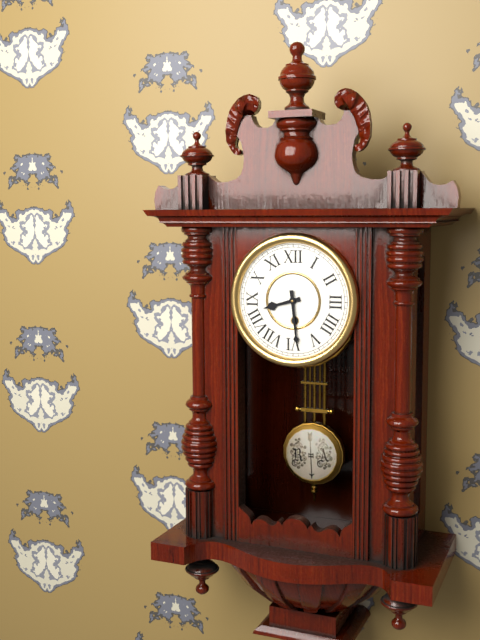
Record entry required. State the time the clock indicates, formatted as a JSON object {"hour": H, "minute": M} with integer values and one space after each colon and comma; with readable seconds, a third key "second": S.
{"hour": 8, "minute": 29}
